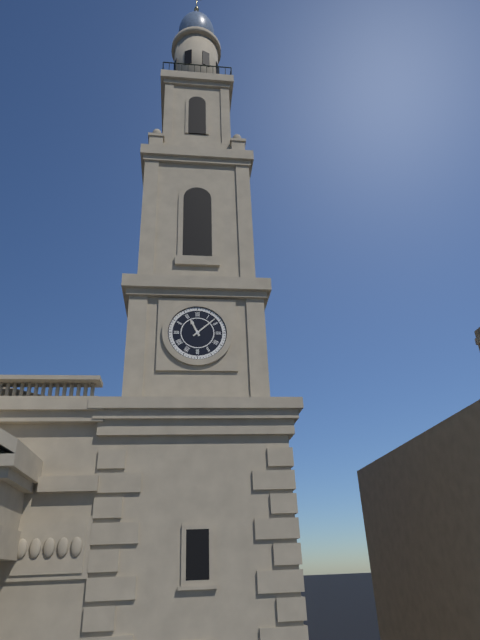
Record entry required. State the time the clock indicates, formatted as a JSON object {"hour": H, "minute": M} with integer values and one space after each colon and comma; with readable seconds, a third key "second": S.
{"hour": 11, "minute": 8}
